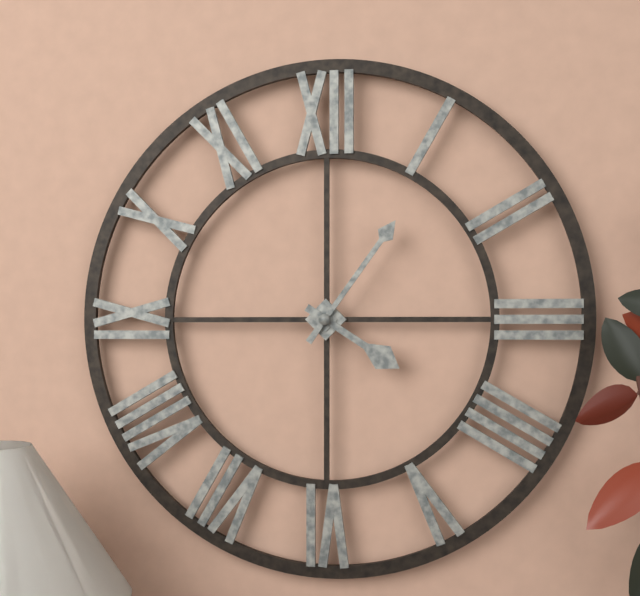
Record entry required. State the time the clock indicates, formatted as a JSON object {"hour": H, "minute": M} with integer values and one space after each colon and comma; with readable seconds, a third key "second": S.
{"hour": 4, "minute": 6}
